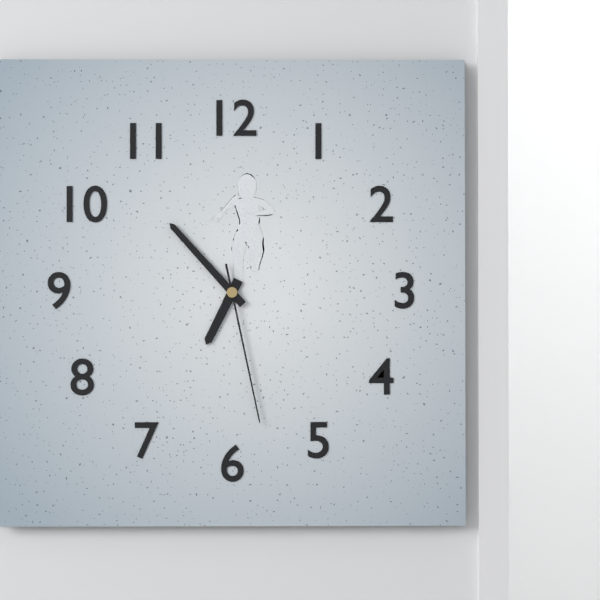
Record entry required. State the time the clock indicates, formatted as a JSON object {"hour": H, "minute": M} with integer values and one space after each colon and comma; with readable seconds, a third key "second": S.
{"hour": 6, "minute": 53, "second": 28}
